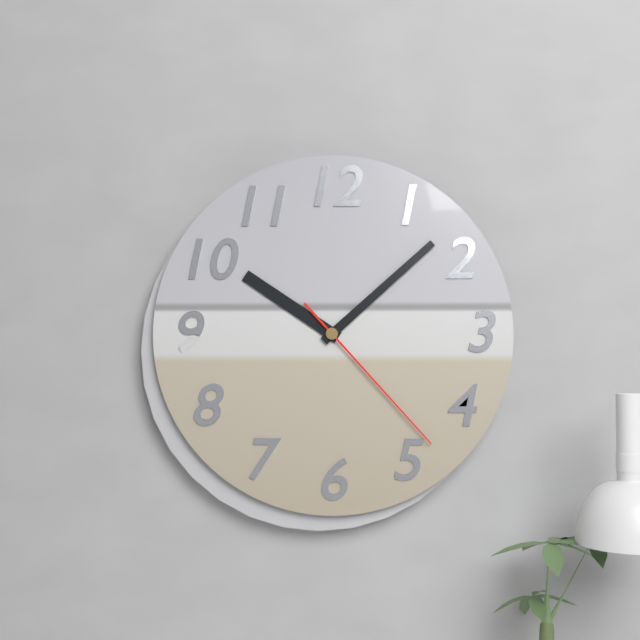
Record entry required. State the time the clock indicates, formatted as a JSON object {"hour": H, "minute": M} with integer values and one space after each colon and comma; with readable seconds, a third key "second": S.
{"hour": 10, "minute": 8, "second": 23}
